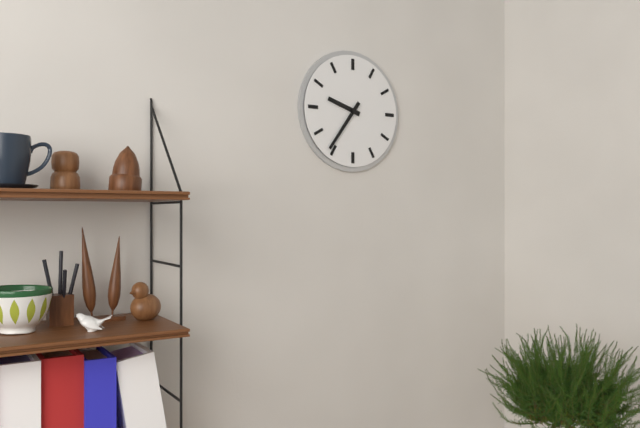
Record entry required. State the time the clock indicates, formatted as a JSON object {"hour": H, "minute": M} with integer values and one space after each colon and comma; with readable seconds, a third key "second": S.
{"hour": 9, "minute": 36}
